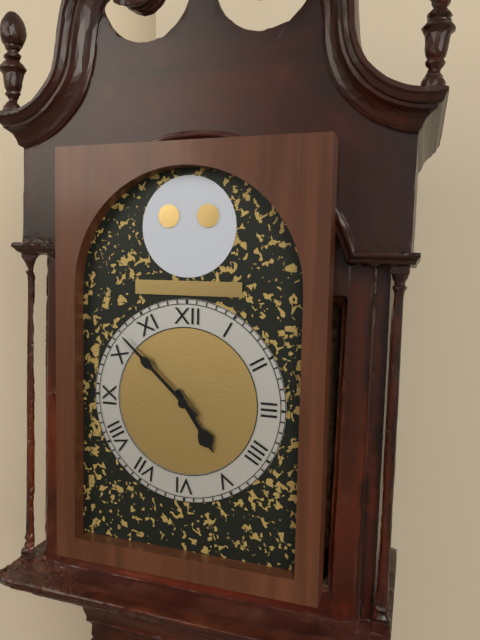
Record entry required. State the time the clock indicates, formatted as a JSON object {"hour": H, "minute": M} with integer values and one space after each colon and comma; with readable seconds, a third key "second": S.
{"hour": 4, "minute": 52}
